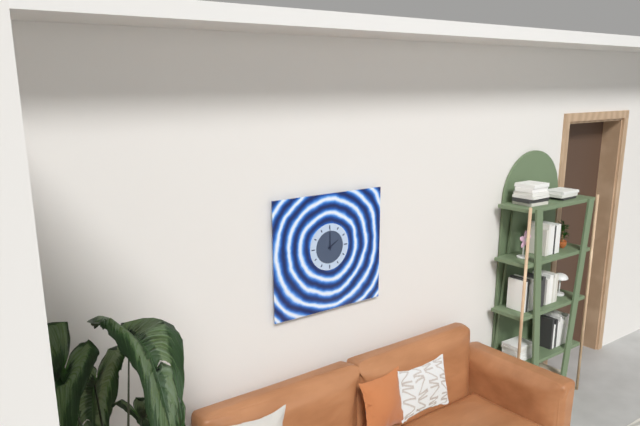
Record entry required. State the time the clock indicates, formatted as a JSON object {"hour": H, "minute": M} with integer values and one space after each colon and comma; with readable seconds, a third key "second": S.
{"hour": 2, "minute": 0}
